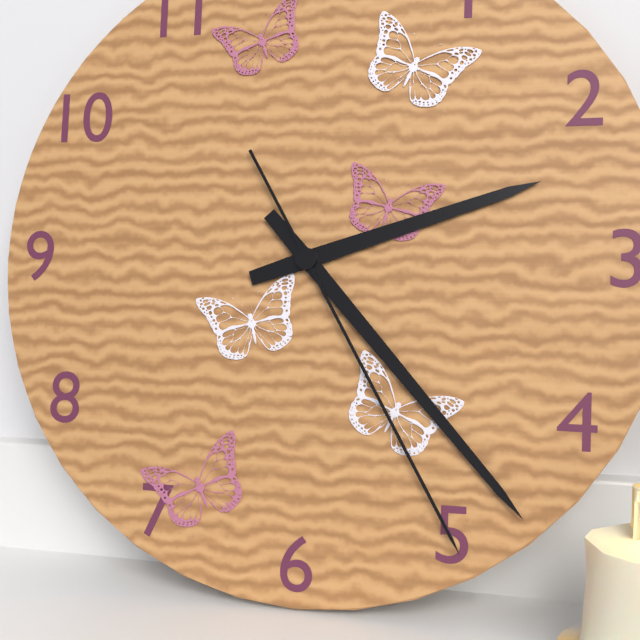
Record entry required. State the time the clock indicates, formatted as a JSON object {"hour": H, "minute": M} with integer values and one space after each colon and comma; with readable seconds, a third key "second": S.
{"hour": 2, "minute": 23, "second": 25}
